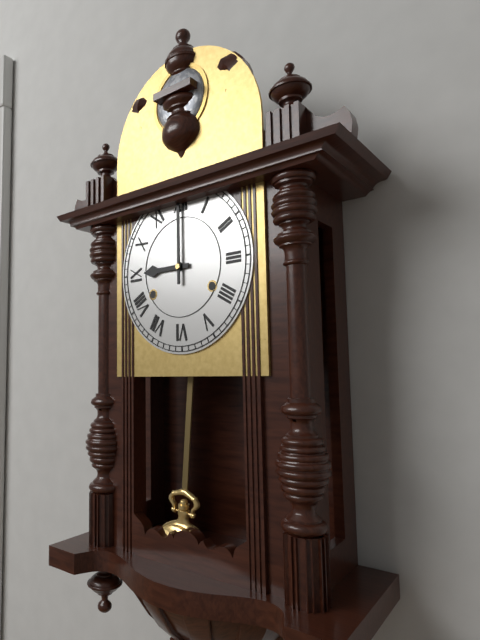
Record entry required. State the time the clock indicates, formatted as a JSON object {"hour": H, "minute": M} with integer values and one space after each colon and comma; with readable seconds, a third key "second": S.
{"hour": 9, "minute": 0}
